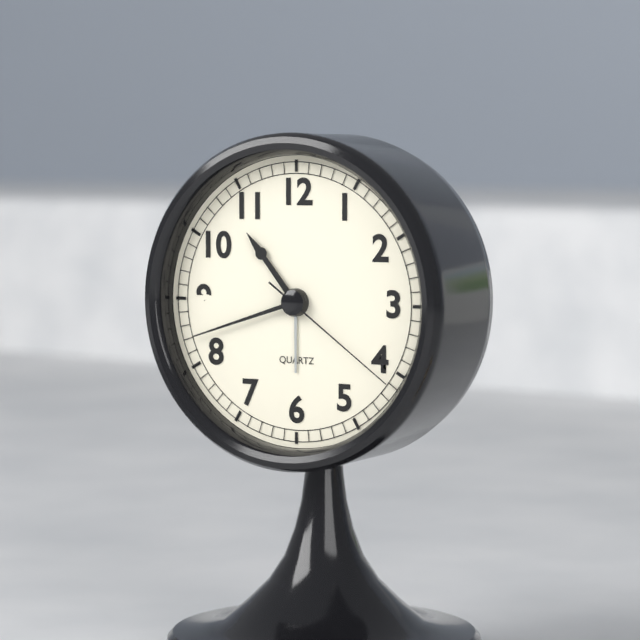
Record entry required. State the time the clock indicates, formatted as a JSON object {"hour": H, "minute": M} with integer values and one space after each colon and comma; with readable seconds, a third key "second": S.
{"hour": 10, "minute": 42, "second": 21}
